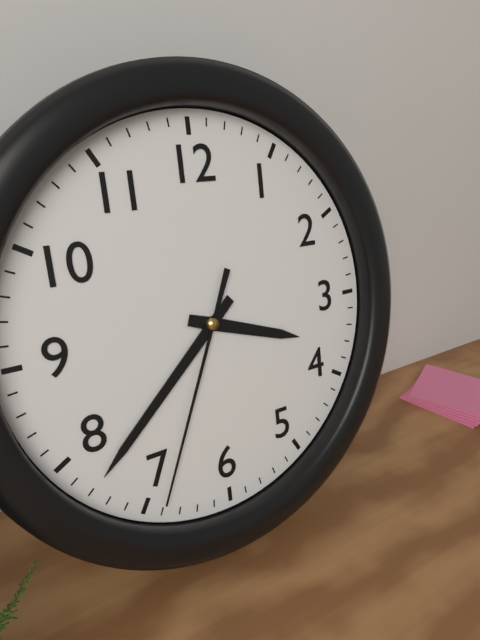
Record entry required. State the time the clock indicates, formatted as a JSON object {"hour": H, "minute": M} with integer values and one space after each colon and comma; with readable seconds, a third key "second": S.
{"hour": 3, "minute": 38, "second": 34}
